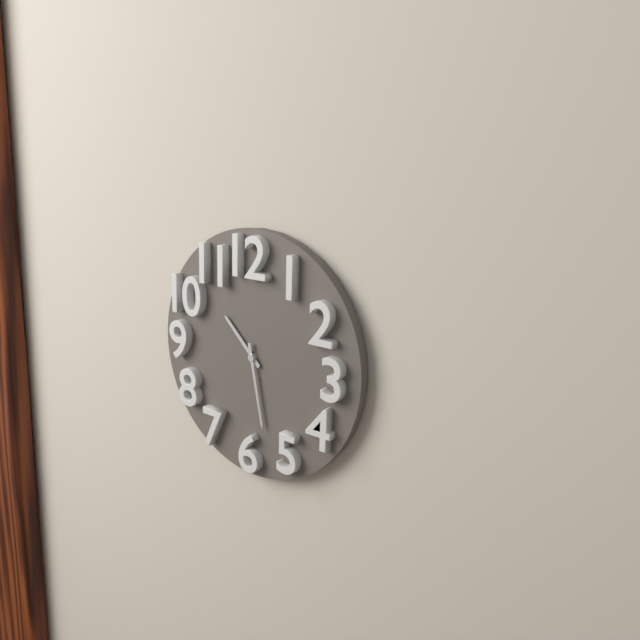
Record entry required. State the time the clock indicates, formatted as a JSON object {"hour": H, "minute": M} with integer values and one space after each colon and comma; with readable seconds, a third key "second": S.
{"hour": 10, "minute": 28}
